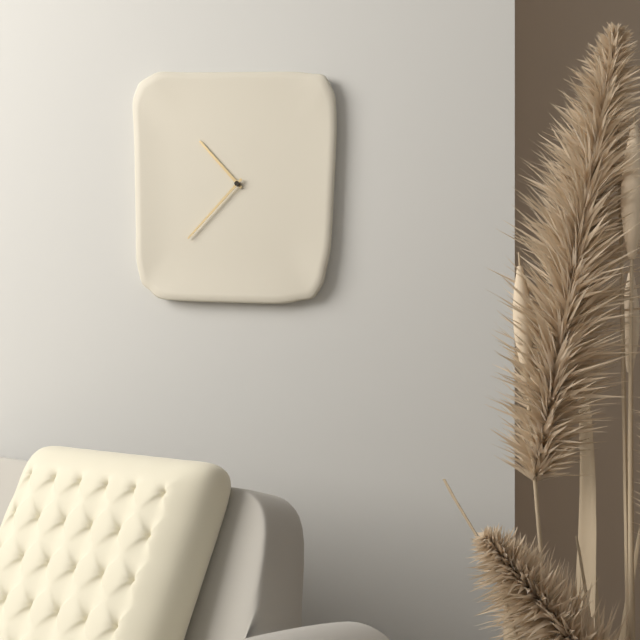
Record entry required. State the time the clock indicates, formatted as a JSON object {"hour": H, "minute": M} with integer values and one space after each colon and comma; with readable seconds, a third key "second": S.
{"hour": 10, "minute": 37}
